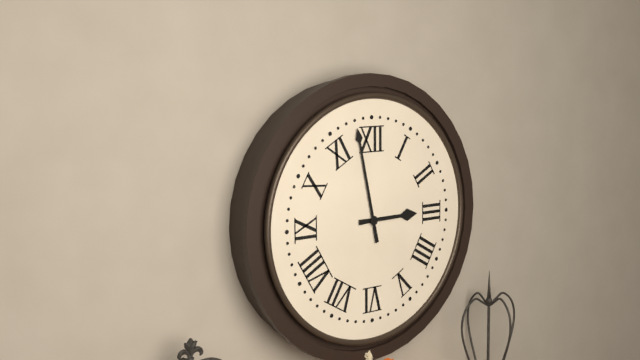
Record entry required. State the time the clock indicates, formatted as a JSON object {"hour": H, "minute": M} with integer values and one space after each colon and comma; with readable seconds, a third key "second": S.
{"hour": 2, "minute": 58}
